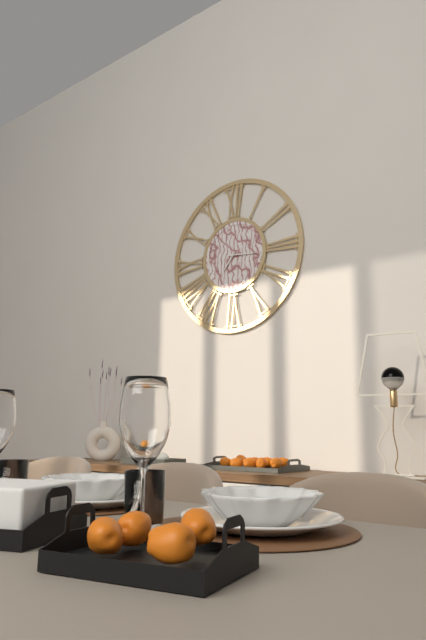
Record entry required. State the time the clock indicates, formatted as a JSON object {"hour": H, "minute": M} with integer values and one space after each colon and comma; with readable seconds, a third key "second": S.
{"hour": 7, "minute": 16}
